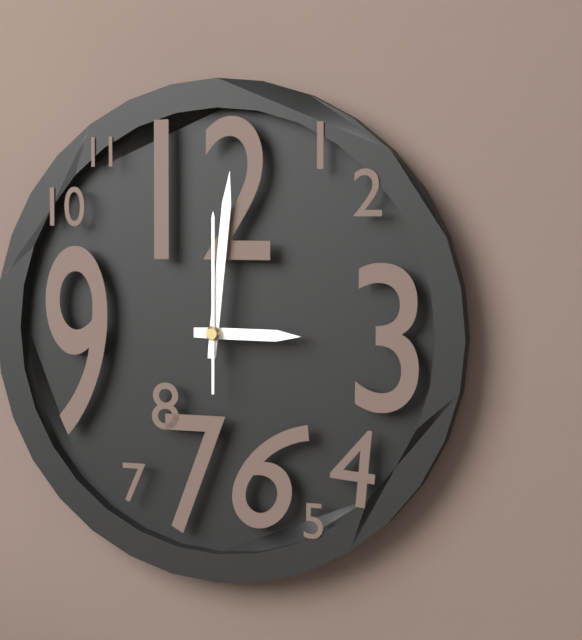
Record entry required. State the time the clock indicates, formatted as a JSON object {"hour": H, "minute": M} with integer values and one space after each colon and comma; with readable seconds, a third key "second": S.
{"hour": 3, "minute": 1, "second": 0}
